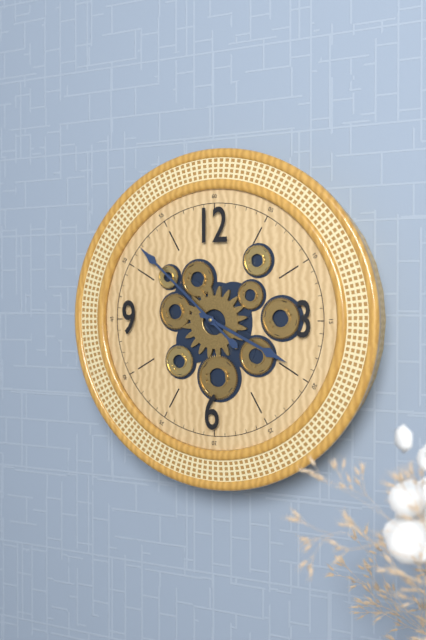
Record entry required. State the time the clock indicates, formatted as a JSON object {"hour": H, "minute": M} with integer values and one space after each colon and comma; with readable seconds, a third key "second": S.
{"hour": 3, "minute": 52}
